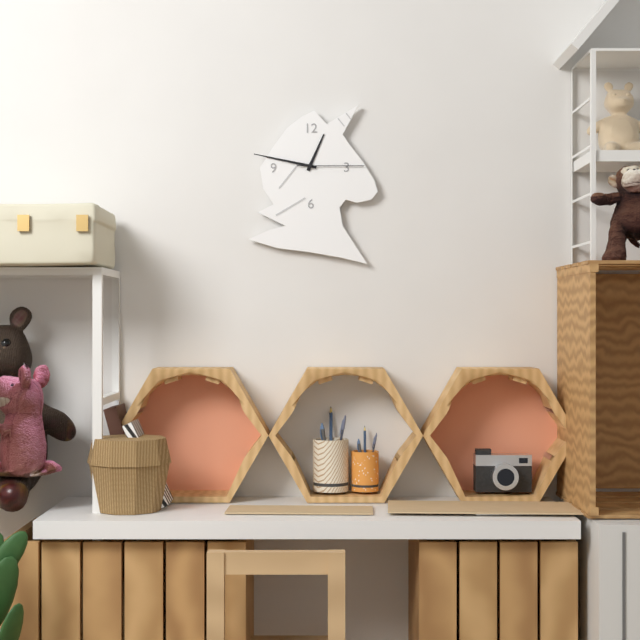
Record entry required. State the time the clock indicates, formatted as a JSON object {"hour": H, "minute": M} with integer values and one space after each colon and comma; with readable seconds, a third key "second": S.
{"hour": 12, "minute": 47, "second": 15}
